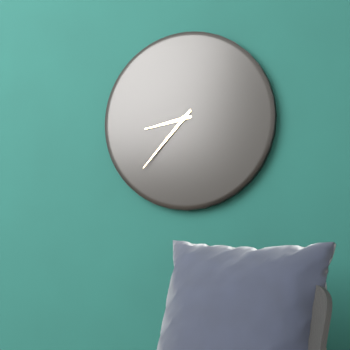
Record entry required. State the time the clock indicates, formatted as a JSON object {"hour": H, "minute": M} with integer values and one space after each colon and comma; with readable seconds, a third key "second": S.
{"hour": 8, "minute": 37}
